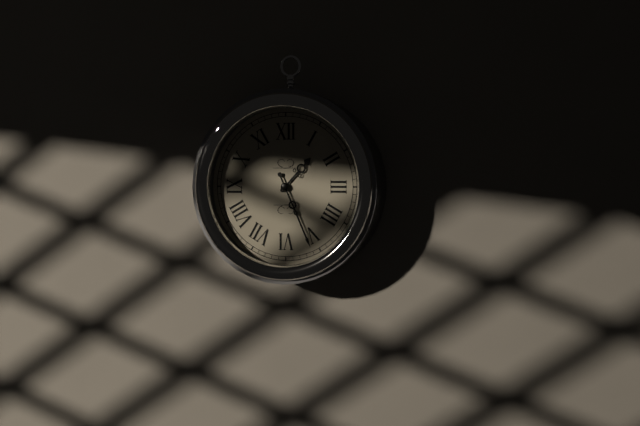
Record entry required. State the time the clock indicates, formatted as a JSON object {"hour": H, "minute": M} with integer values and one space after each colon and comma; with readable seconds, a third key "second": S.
{"hour": 1, "minute": 26}
